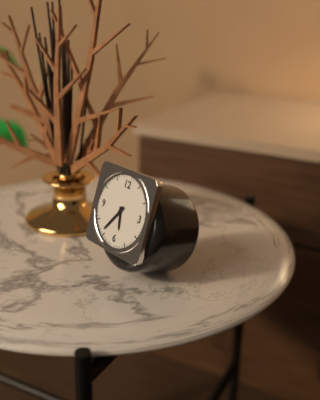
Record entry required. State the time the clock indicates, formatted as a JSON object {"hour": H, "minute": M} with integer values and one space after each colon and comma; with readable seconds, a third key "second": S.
{"hour": 5, "minute": 36}
